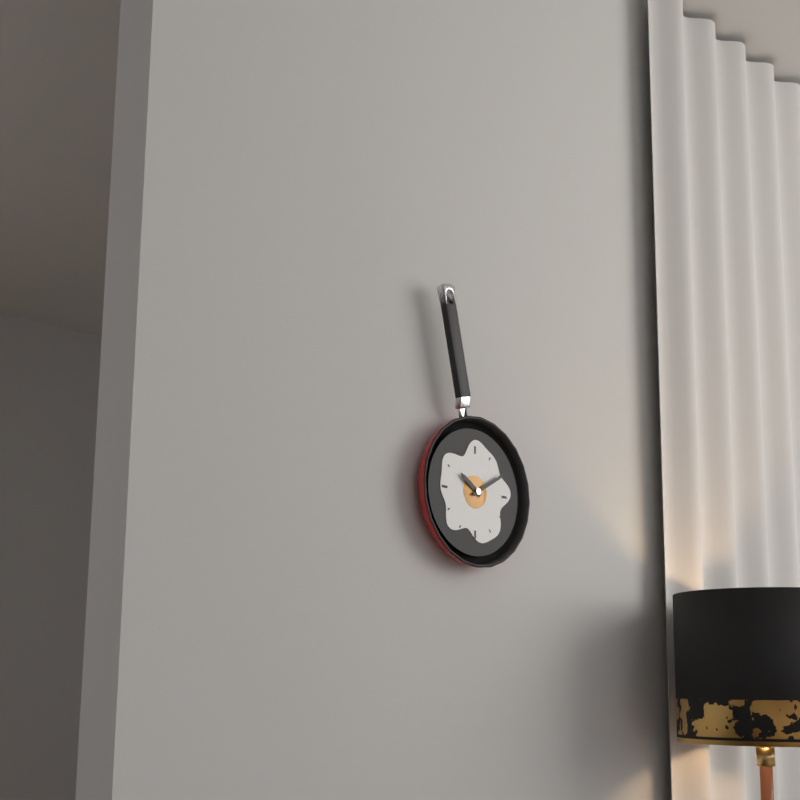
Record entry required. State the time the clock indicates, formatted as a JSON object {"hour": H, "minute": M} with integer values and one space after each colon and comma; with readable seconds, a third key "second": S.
{"hour": 10, "minute": 10}
